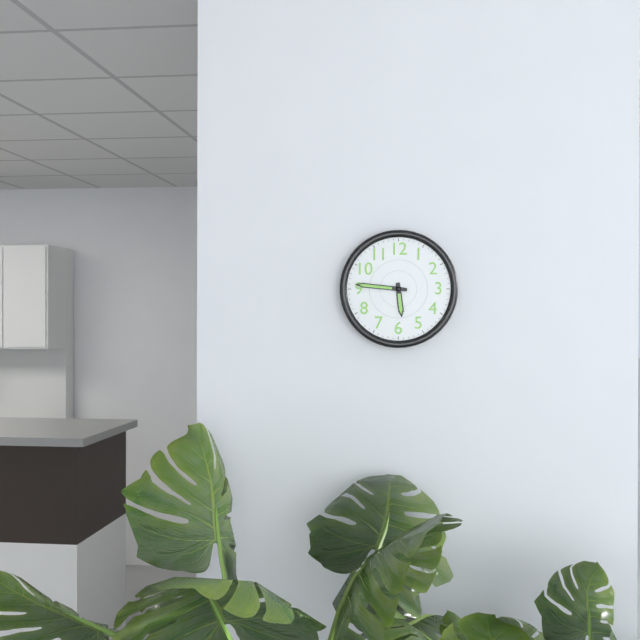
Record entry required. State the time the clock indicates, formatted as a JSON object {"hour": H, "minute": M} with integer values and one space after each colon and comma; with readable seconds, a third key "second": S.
{"hour": 5, "minute": 46}
